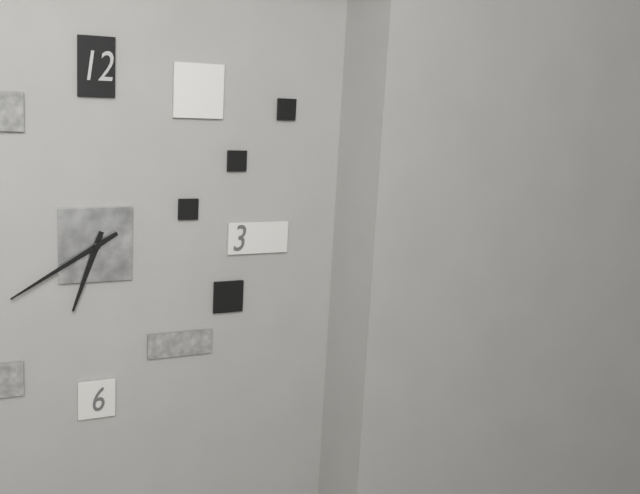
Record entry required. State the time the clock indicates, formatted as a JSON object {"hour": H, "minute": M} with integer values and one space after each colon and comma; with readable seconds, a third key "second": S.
{"hour": 6, "minute": 40}
